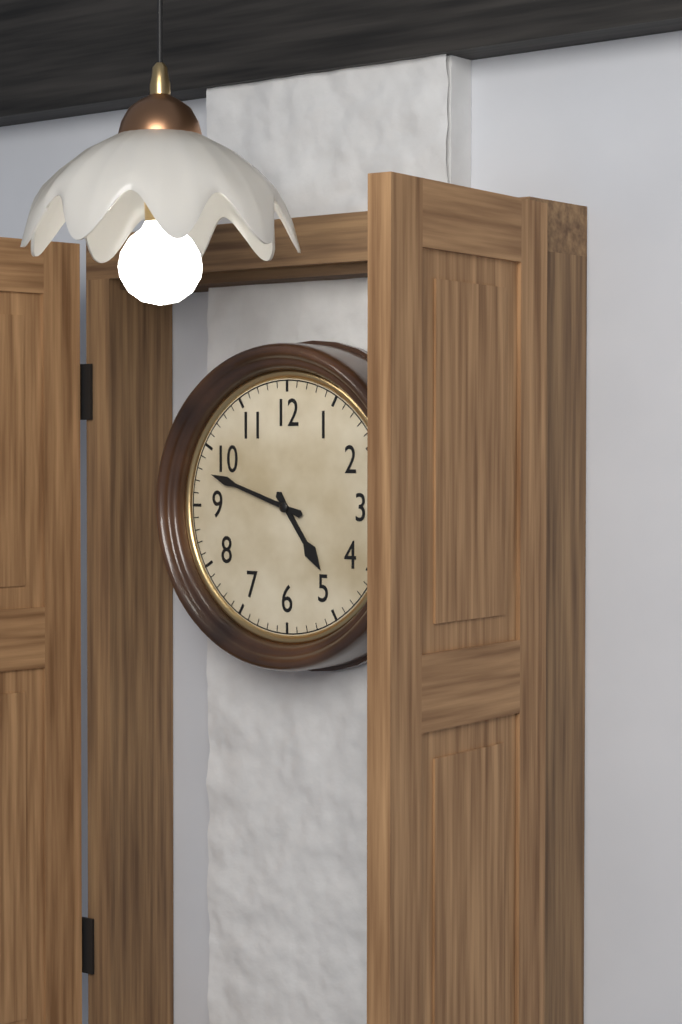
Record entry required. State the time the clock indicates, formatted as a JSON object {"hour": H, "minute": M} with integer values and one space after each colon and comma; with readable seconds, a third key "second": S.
{"hour": 4, "minute": 48}
